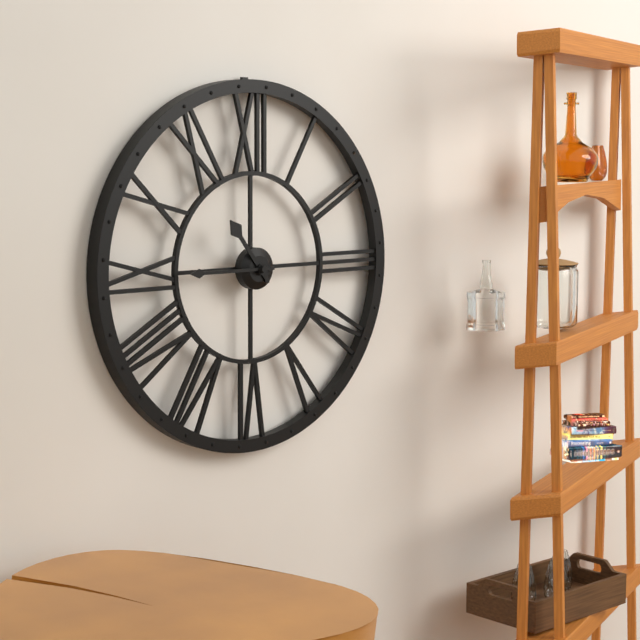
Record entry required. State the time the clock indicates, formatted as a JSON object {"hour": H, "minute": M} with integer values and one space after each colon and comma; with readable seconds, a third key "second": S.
{"hour": 10, "minute": 45}
